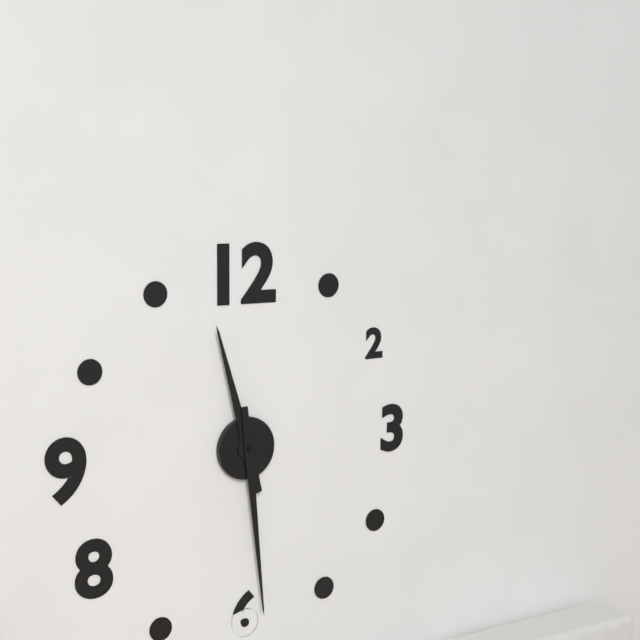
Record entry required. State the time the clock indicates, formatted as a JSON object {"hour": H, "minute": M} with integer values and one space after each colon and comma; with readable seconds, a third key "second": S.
{"hour": 11, "minute": 29}
